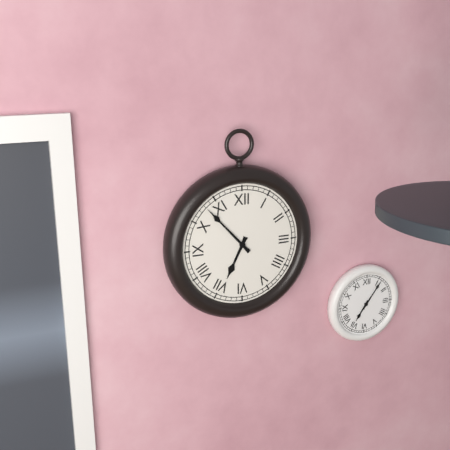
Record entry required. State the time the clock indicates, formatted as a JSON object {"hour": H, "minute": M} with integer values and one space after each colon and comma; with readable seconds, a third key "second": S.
{"hour": 6, "minute": 53}
